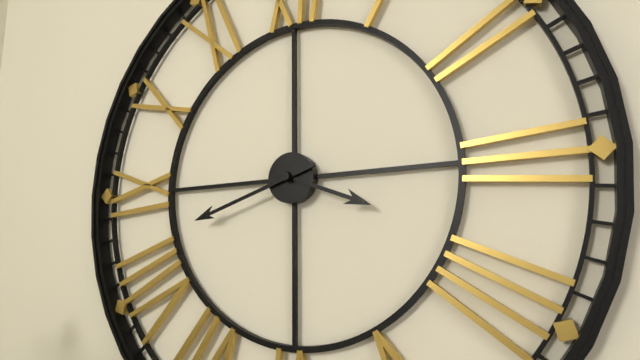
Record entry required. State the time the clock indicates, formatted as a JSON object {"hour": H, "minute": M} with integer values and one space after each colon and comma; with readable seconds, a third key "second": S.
{"hour": 3, "minute": 42}
